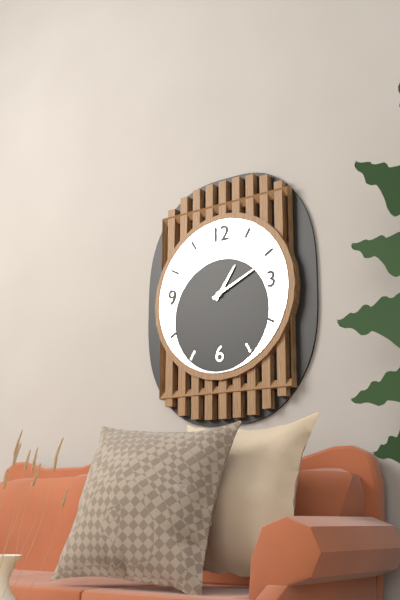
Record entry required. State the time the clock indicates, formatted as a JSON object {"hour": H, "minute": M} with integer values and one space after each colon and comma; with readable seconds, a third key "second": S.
{"hour": 1, "minute": 11}
